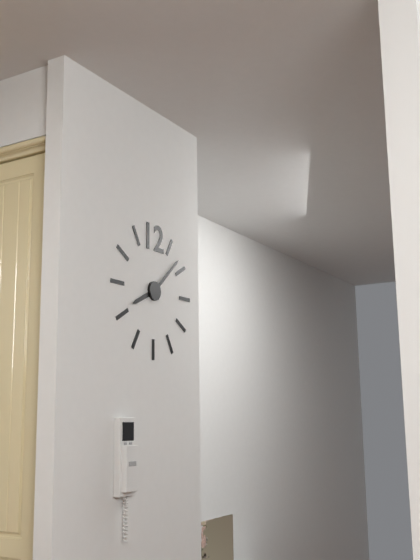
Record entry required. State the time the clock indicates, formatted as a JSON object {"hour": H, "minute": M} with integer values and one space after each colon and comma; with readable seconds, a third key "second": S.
{"hour": 8, "minute": 8}
